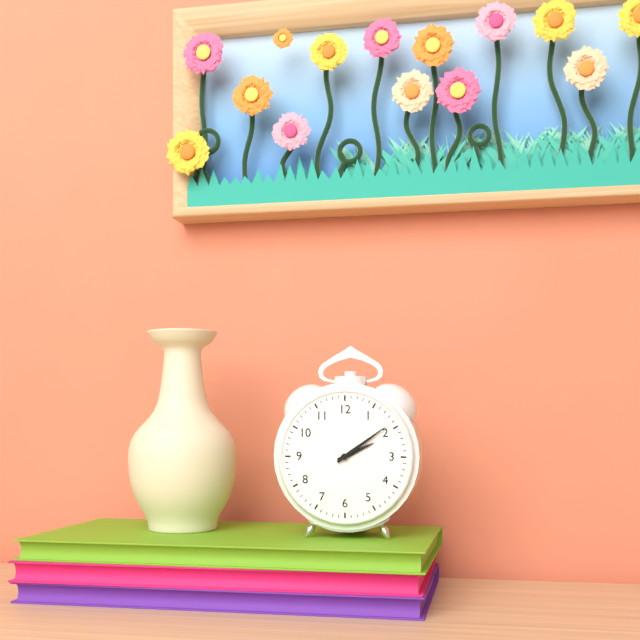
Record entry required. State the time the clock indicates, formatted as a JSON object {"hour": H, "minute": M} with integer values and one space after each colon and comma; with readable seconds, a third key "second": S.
{"hour": 2, "minute": 9}
